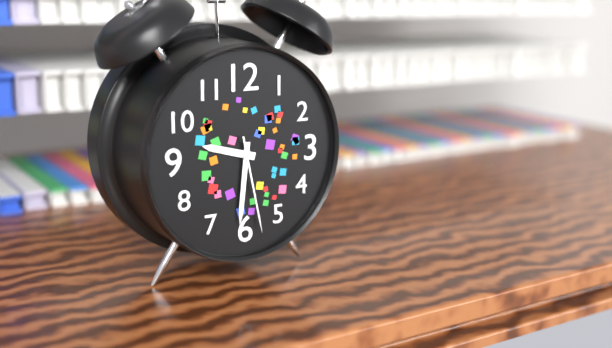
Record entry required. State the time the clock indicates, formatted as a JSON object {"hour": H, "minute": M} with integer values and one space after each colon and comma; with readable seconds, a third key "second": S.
{"hour": 9, "minute": 31, "second": 28}
